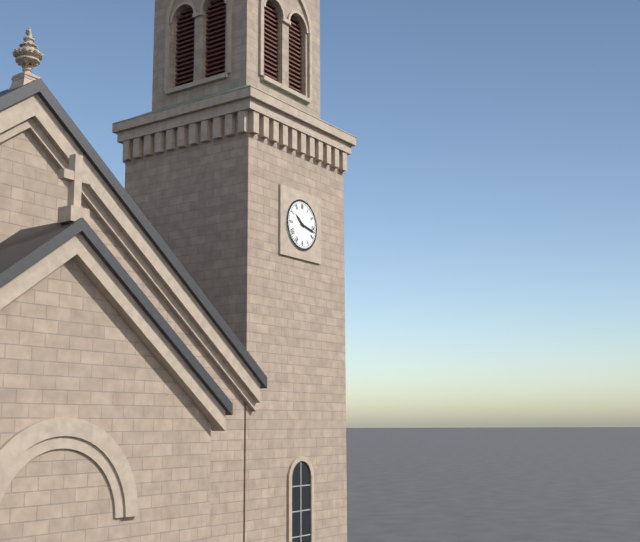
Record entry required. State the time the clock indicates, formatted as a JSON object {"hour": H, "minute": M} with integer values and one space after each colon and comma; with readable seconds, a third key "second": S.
{"hour": 10, "minute": 17}
